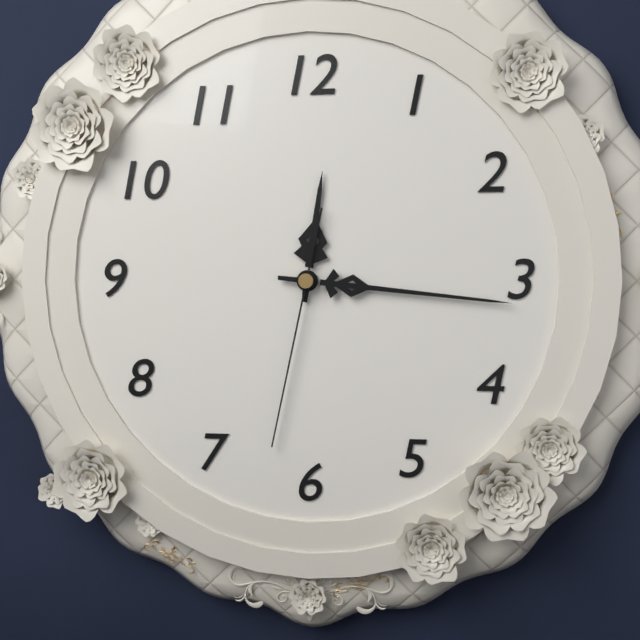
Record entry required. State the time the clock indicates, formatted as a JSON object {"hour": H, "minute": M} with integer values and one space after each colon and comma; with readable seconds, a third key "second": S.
{"hour": 12, "minute": 16, "second": 32}
